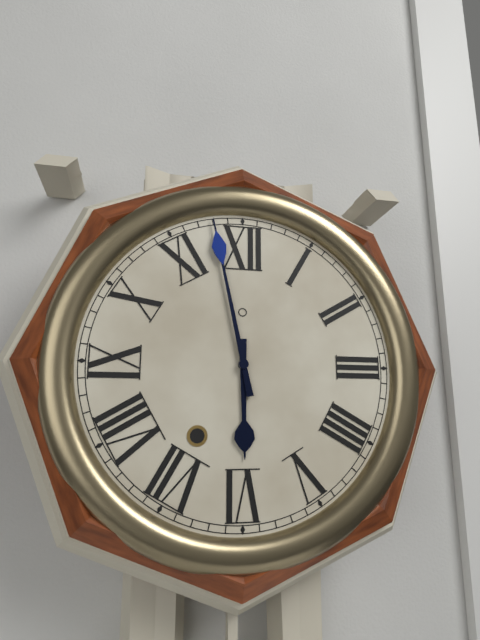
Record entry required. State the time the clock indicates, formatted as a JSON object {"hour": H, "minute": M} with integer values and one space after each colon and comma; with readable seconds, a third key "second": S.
{"hour": 5, "minute": 58}
